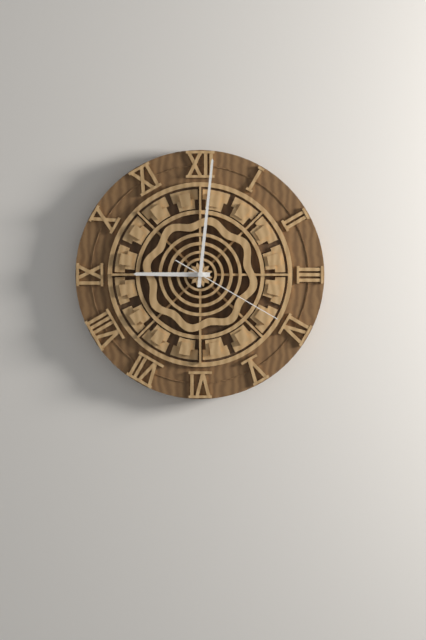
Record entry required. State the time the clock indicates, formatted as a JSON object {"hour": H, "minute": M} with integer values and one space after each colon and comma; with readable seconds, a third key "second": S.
{"hour": 9, "minute": 1, "second": 20}
